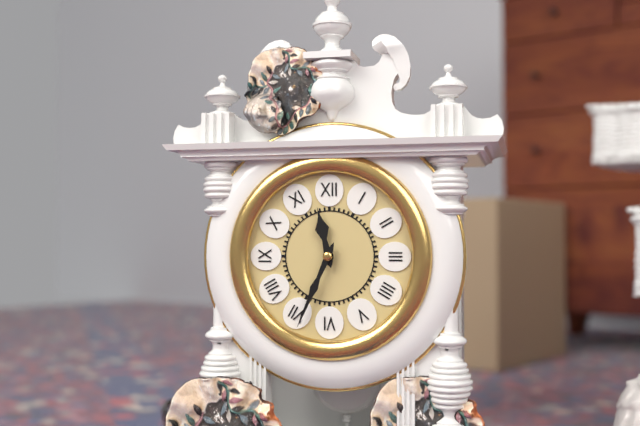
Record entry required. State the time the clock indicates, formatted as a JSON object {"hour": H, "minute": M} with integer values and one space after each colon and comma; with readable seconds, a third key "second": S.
{"hour": 11, "minute": 34}
